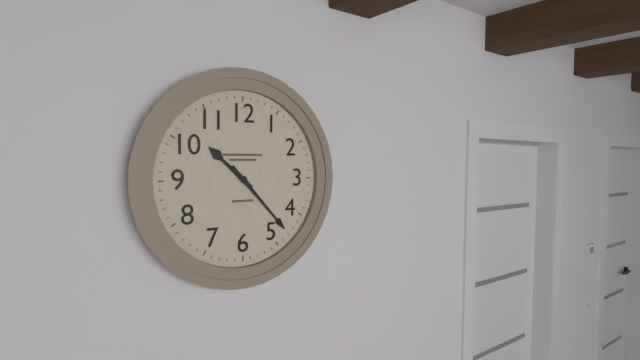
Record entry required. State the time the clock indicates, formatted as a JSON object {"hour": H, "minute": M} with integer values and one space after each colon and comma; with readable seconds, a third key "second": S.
{"hour": 10, "minute": 23}
